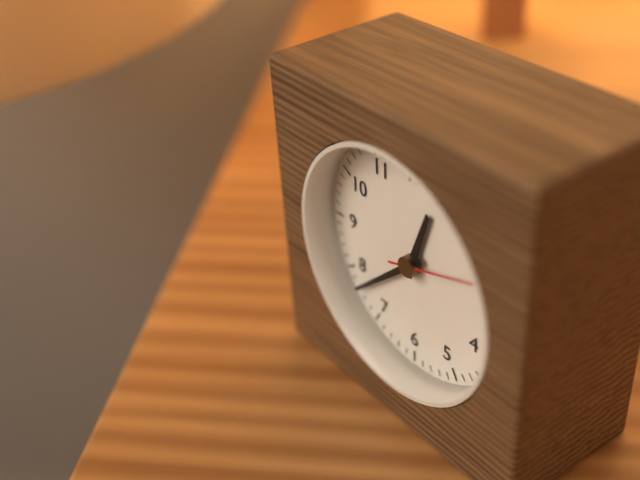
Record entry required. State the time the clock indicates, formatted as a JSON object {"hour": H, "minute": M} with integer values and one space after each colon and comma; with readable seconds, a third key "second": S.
{"hour": 12, "minute": 38, "second": 12}
